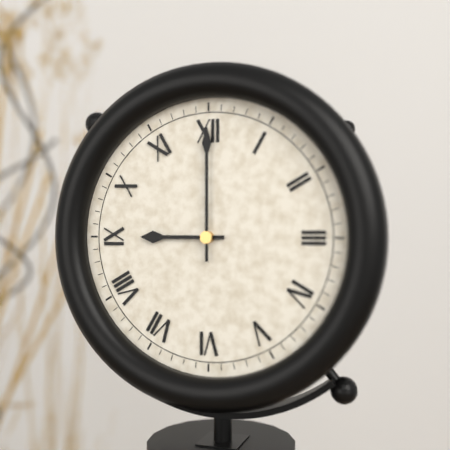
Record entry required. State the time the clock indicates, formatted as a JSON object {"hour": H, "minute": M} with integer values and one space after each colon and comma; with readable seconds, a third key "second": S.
{"hour": 9, "minute": 0}
